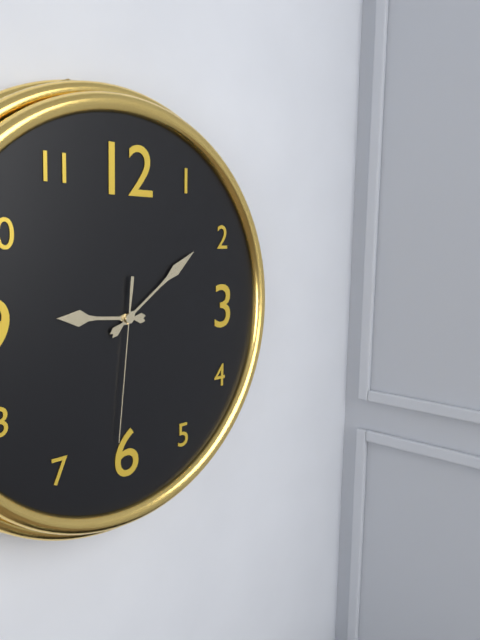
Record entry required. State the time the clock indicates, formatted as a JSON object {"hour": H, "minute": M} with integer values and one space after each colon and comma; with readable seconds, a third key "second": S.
{"hour": 9, "minute": 9, "second": 31}
